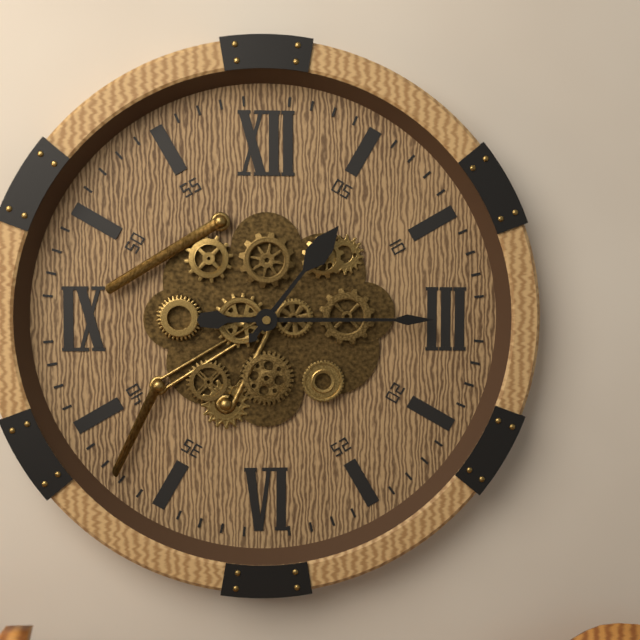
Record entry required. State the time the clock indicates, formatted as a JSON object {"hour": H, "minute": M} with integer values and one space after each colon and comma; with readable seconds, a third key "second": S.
{"hour": 1, "minute": 15}
